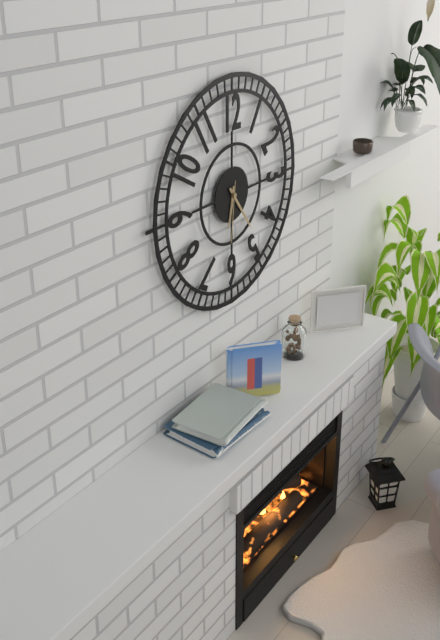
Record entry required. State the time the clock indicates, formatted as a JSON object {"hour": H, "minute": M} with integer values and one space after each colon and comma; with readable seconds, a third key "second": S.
{"hour": 6, "minute": 24, "second": 31}
